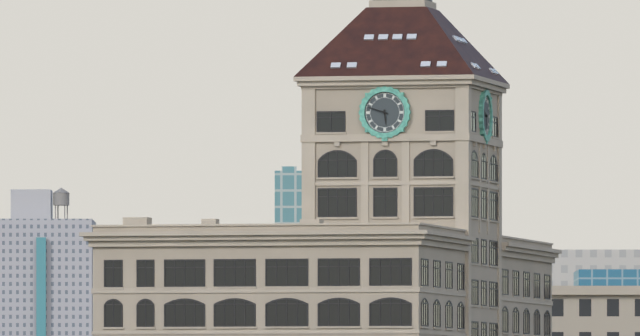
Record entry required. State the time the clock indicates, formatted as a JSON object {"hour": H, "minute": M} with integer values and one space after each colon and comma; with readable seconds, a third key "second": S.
{"hour": 5, "minute": 48}
